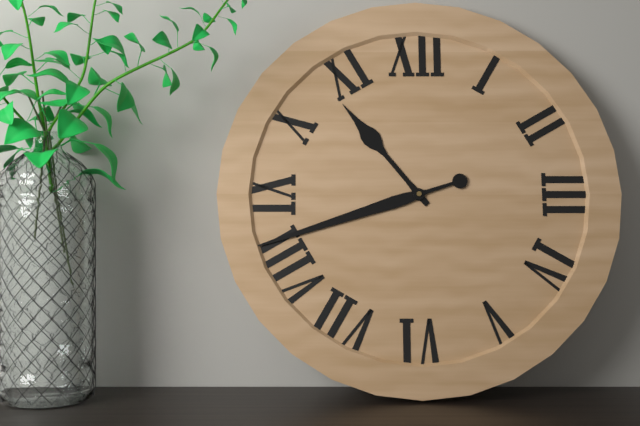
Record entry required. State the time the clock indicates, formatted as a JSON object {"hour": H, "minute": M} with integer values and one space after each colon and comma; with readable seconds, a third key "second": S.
{"hour": 10, "minute": 42}
